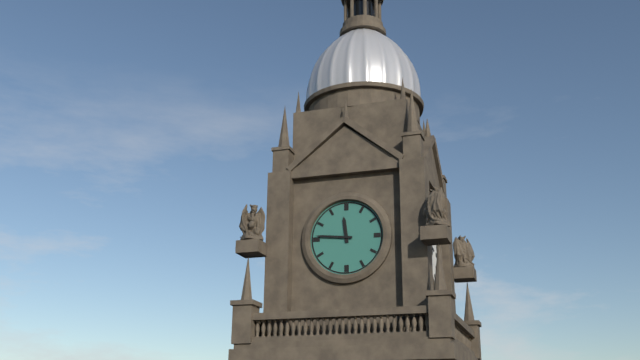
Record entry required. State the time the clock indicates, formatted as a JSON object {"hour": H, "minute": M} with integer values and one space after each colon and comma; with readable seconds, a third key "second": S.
{"hour": 11, "minute": 46}
